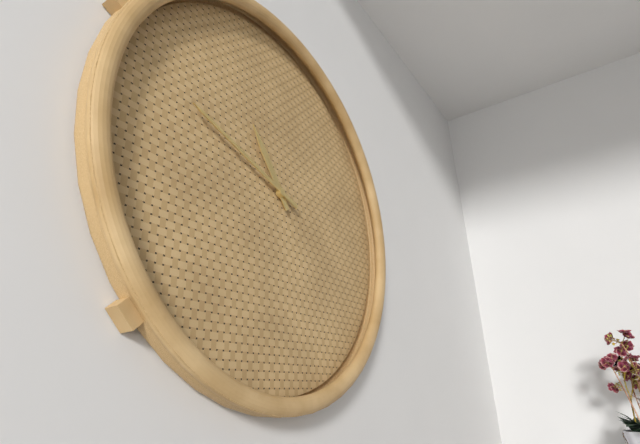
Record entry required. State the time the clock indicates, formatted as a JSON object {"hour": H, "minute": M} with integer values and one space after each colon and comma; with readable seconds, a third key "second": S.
{"hour": 10, "minute": 48}
